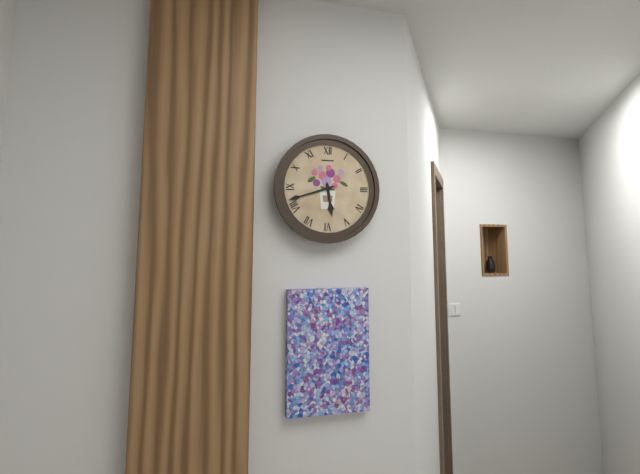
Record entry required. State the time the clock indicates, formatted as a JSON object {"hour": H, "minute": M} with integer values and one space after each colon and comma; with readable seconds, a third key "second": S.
{"hour": 5, "minute": 42}
